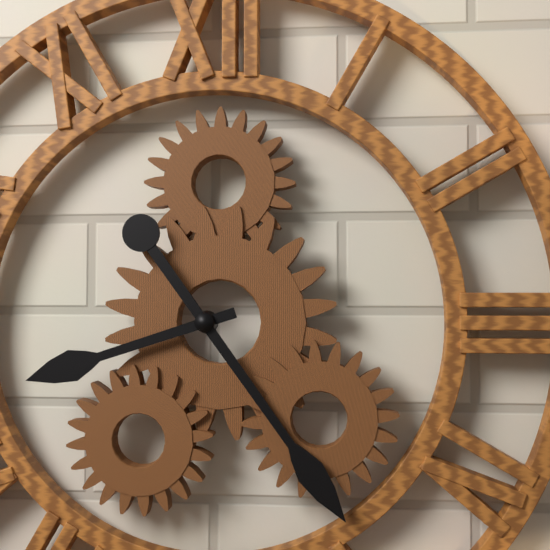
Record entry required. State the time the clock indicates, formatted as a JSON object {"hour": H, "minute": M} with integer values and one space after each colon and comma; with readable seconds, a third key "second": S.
{"hour": 8, "minute": 24}
